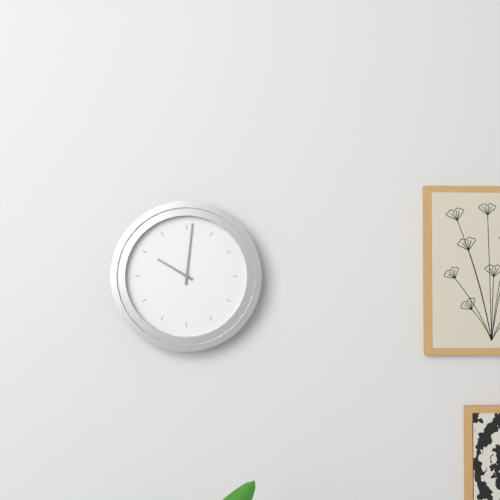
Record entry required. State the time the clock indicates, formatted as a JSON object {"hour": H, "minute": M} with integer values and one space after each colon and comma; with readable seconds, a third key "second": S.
{"hour": 10, "minute": 1}
